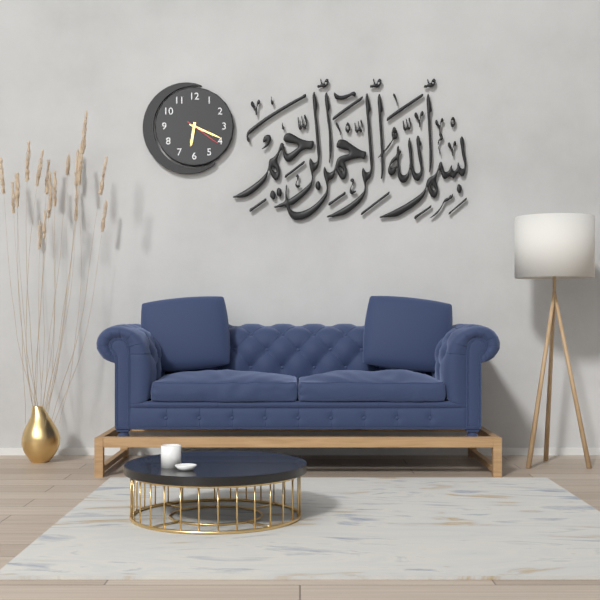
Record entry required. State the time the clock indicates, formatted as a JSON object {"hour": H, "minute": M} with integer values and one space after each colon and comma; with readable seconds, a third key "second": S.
{"hour": 6, "minute": 19}
